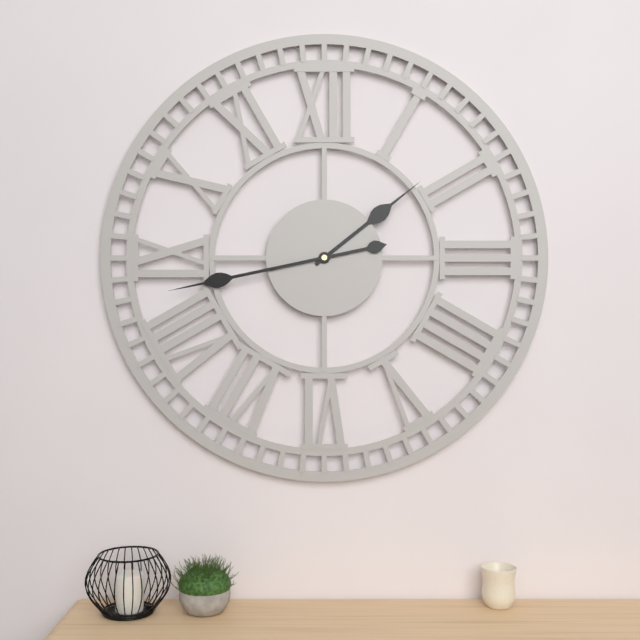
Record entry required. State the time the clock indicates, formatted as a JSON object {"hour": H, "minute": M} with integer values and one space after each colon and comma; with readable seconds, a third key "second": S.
{"hour": 1, "minute": 43}
